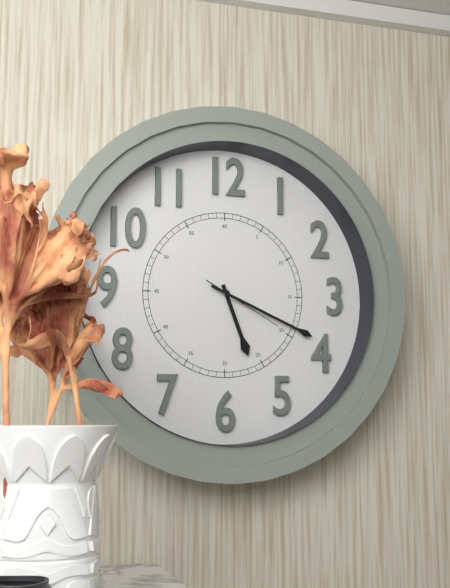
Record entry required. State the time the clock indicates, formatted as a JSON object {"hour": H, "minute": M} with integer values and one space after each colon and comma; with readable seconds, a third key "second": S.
{"hour": 5, "minute": 19, "second": 20}
